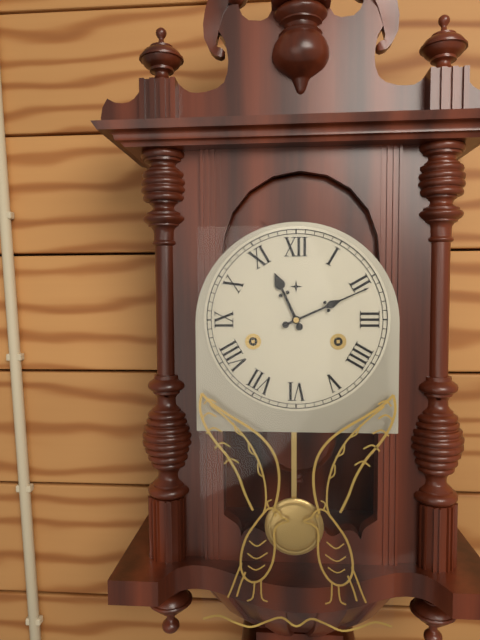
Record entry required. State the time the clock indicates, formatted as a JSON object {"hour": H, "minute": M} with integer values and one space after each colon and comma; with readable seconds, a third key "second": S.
{"hour": 11, "minute": 11}
